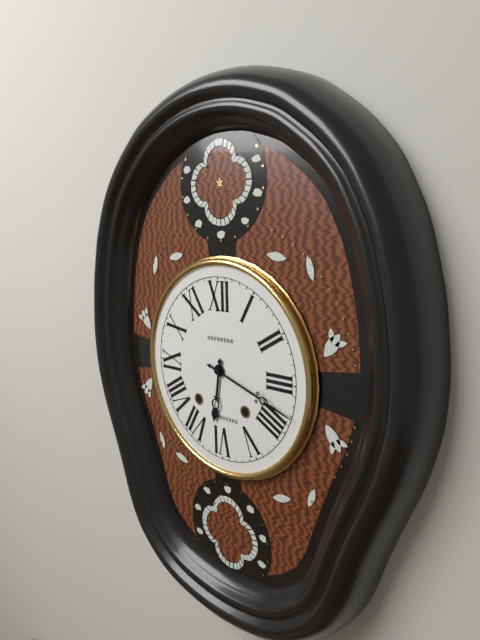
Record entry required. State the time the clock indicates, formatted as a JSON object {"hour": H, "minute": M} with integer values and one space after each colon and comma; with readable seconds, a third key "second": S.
{"hour": 6, "minute": 18}
